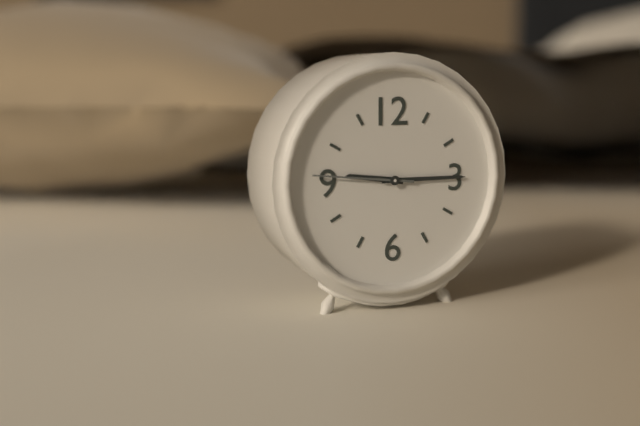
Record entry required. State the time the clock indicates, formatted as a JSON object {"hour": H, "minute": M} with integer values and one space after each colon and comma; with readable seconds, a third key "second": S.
{"hour": 9, "minute": 15, "second": 46}
